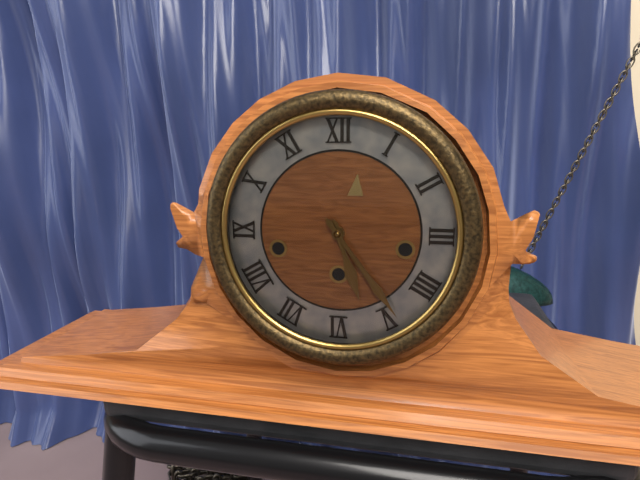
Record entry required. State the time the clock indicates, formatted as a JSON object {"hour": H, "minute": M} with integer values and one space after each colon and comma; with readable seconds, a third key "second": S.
{"hour": 5, "minute": 24}
